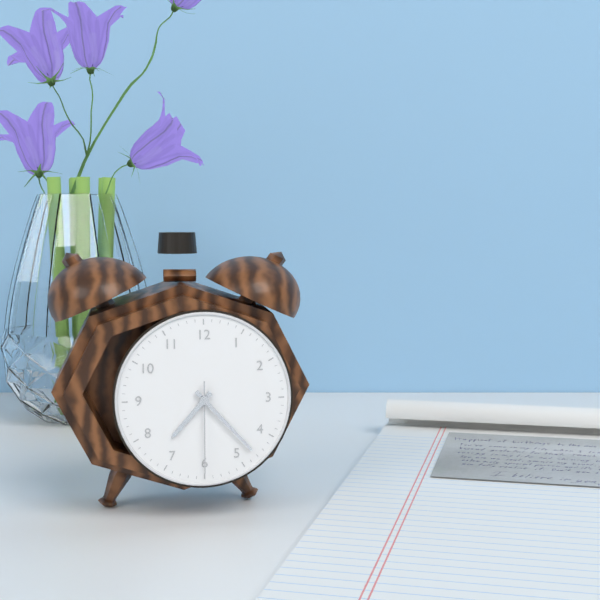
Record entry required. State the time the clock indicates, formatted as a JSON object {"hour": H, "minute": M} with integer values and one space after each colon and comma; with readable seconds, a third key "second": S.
{"hour": 7, "minute": 23, "second": 30}
